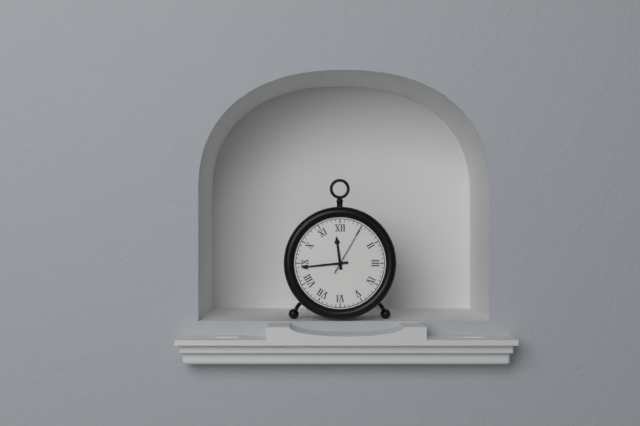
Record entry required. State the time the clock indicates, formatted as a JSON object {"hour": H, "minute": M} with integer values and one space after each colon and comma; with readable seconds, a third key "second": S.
{"hour": 11, "minute": 44, "second": 5}
